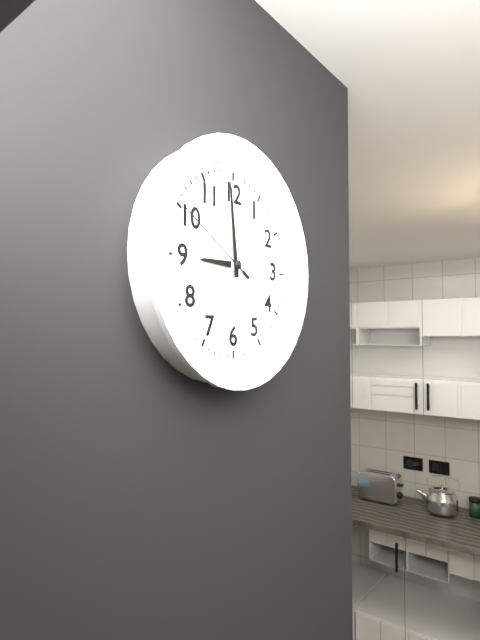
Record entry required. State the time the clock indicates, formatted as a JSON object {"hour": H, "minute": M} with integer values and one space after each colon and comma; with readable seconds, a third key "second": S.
{"hour": 8, "minute": 59, "second": 50}
